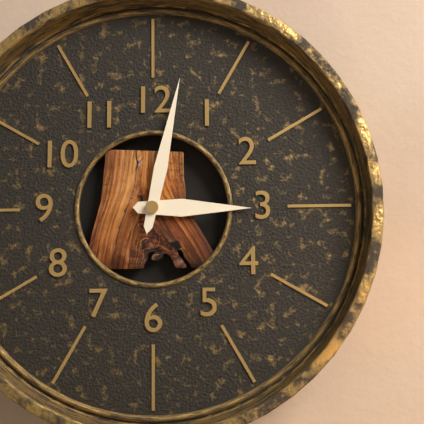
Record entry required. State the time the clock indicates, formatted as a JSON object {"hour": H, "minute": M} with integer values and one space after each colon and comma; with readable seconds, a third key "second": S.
{"hour": 3, "minute": 2}
